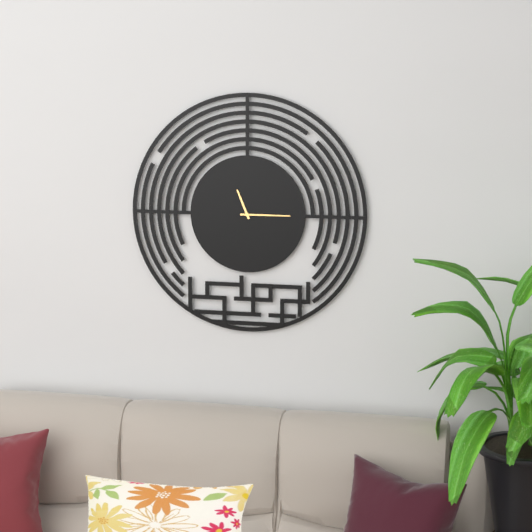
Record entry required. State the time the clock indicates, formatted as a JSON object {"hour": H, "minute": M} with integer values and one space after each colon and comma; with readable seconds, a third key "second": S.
{"hour": 11, "minute": 15}
